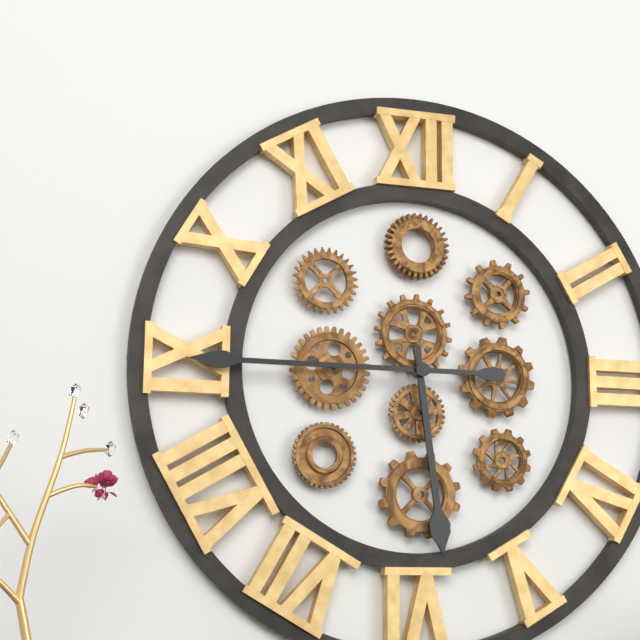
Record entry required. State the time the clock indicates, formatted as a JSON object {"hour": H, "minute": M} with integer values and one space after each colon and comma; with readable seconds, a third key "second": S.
{"hour": 5, "minute": 45}
